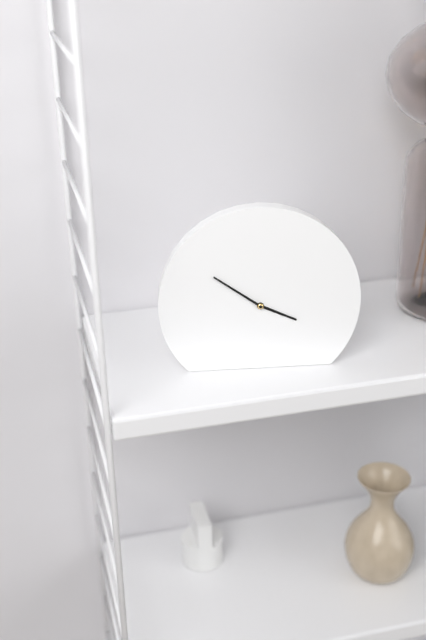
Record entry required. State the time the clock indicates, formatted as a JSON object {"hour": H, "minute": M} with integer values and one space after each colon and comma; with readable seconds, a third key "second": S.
{"hour": 3, "minute": 51}
